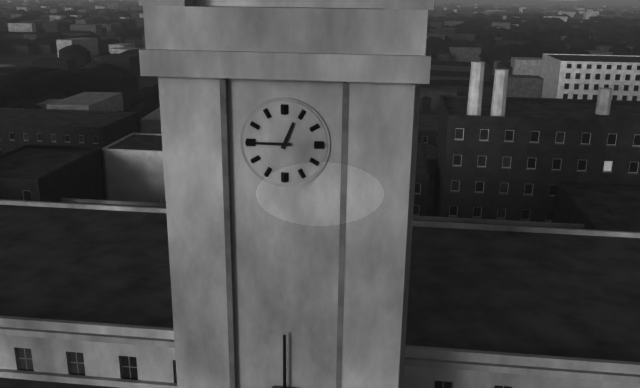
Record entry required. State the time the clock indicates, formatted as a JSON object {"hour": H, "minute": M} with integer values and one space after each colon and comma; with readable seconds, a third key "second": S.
{"hour": 12, "minute": 45}
